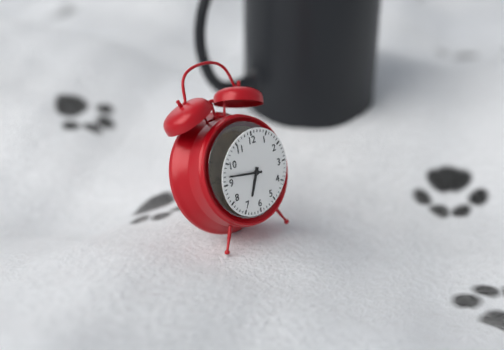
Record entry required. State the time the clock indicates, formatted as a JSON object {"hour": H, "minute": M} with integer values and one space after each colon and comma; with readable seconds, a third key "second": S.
{"hour": 6, "minute": 47}
